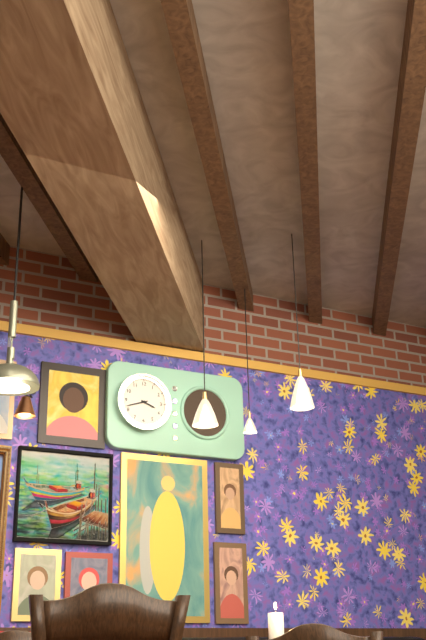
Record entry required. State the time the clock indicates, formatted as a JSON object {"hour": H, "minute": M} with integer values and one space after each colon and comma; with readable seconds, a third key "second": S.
{"hour": 3, "minute": 42}
